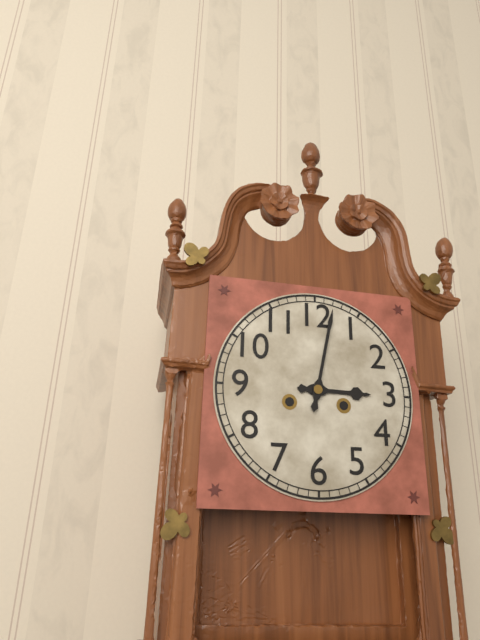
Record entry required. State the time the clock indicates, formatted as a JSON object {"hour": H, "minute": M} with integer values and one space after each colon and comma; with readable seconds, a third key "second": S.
{"hour": 3, "minute": 2}
